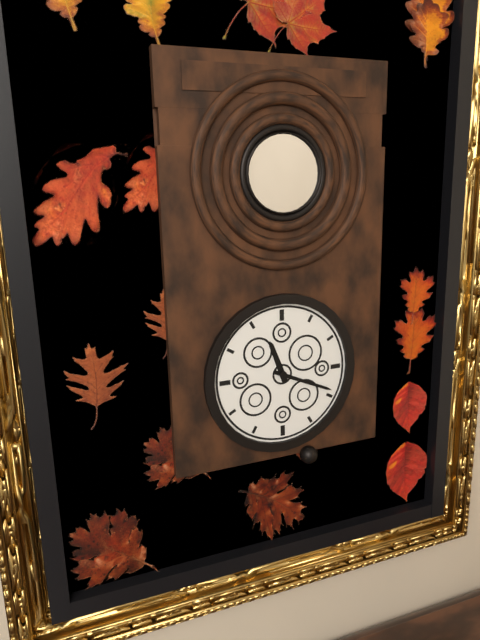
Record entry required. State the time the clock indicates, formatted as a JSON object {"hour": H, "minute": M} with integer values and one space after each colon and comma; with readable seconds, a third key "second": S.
{"hour": 11, "minute": 19}
